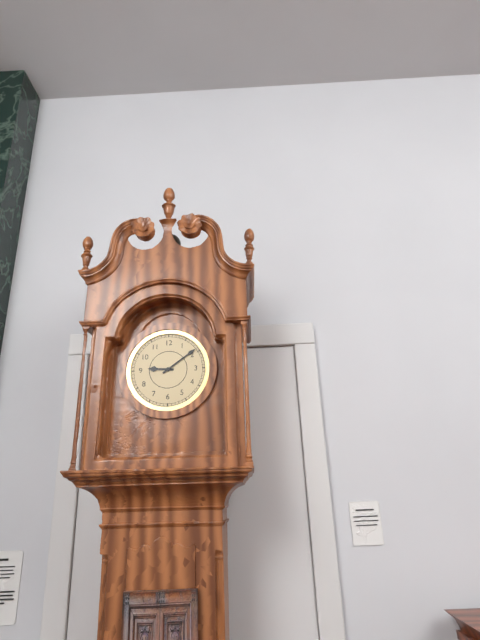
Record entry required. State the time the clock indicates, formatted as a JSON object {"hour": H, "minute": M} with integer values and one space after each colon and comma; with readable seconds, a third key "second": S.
{"hour": 9, "minute": 9}
